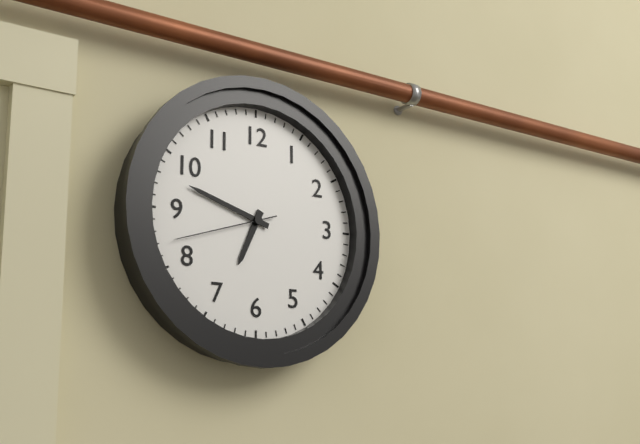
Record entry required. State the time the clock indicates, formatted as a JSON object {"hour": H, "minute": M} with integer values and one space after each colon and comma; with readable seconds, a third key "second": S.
{"hour": 6, "minute": 48, "second": 42}
